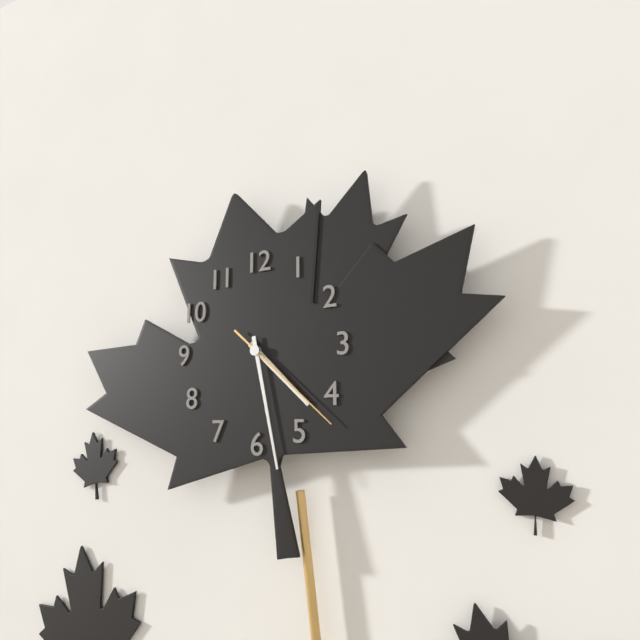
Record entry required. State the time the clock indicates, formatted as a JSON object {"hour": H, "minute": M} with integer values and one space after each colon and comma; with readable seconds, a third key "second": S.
{"hour": 4, "minute": 28, "second": 22}
